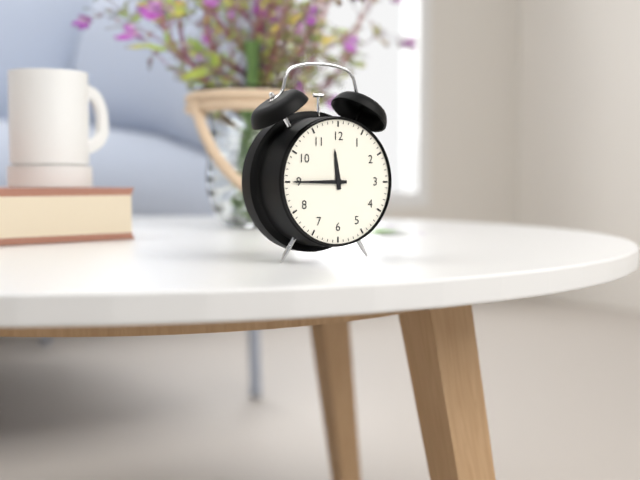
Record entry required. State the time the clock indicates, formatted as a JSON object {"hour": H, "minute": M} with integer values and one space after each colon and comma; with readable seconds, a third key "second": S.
{"hour": 11, "minute": 45}
